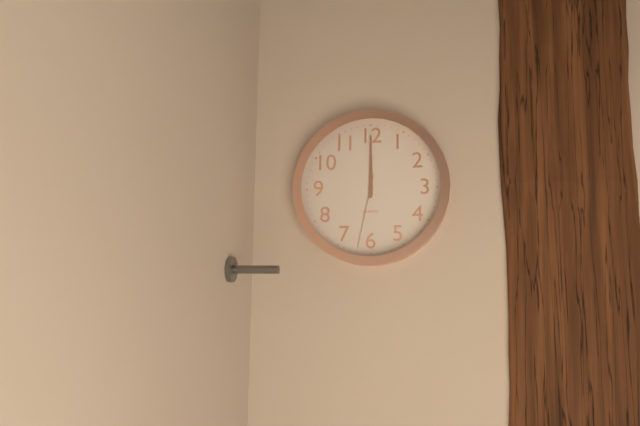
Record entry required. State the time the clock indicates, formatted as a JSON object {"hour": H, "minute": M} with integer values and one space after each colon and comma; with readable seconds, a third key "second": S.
{"hour": 12, "minute": 0, "second": 32}
